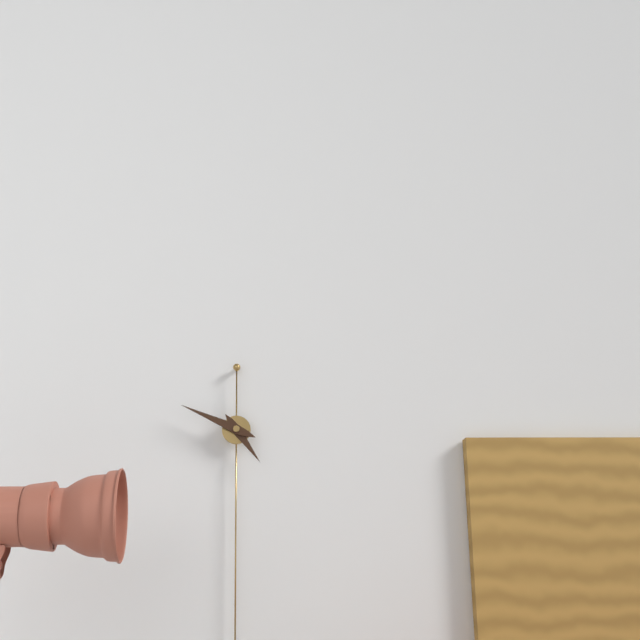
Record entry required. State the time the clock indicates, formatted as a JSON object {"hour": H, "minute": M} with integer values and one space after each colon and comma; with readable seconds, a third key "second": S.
{"hour": 4, "minute": 49}
